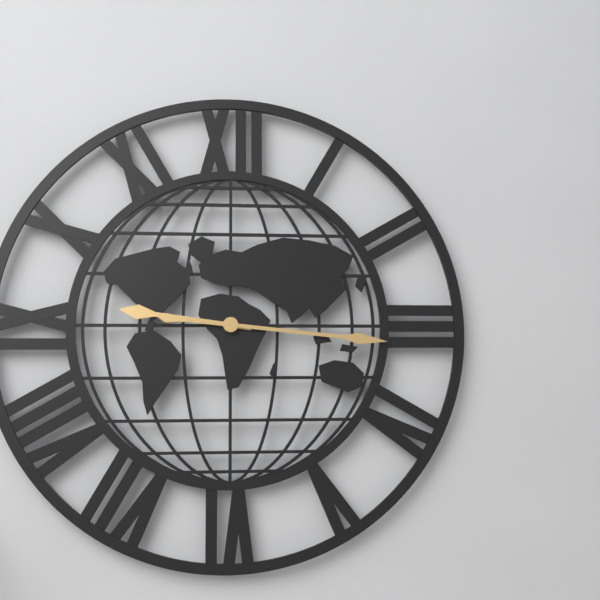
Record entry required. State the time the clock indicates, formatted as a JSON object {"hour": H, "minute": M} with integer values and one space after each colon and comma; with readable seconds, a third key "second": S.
{"hour": 9, "minute": 16}
